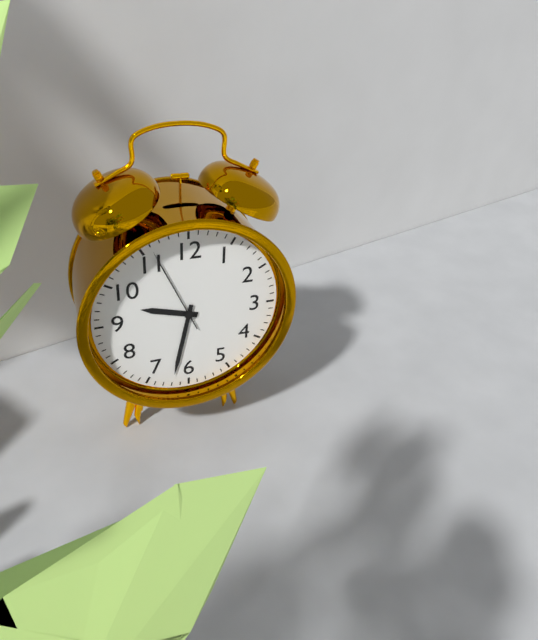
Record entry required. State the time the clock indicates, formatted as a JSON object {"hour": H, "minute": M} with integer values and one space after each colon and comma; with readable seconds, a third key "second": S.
{"hour": 9, "minute": 32, "second": 56}
